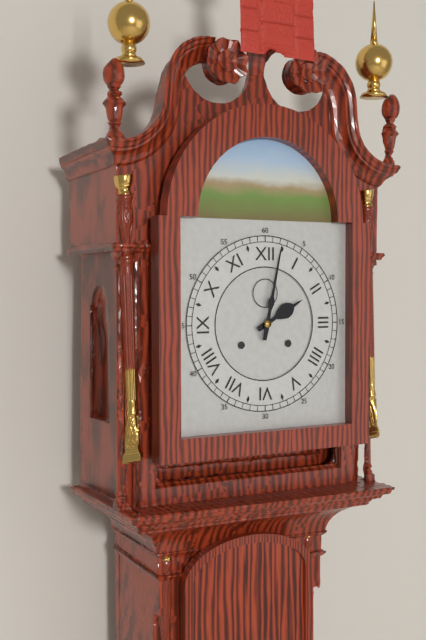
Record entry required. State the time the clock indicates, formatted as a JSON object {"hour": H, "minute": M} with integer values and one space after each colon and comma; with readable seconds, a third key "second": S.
{"hour": 2, "minute": 2}
